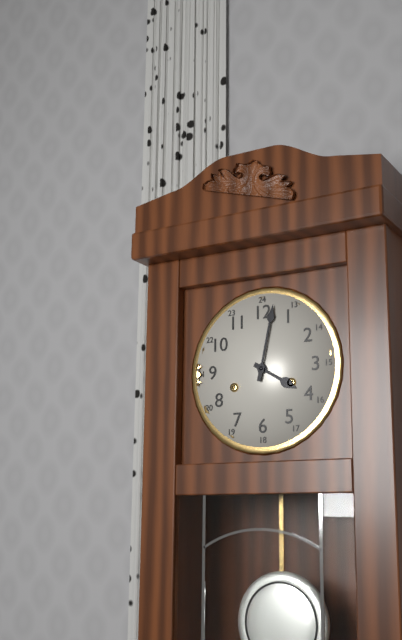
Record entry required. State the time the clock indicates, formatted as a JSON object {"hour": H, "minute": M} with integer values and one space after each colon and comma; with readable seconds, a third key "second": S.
{"hour": 4, "minute": 2}
